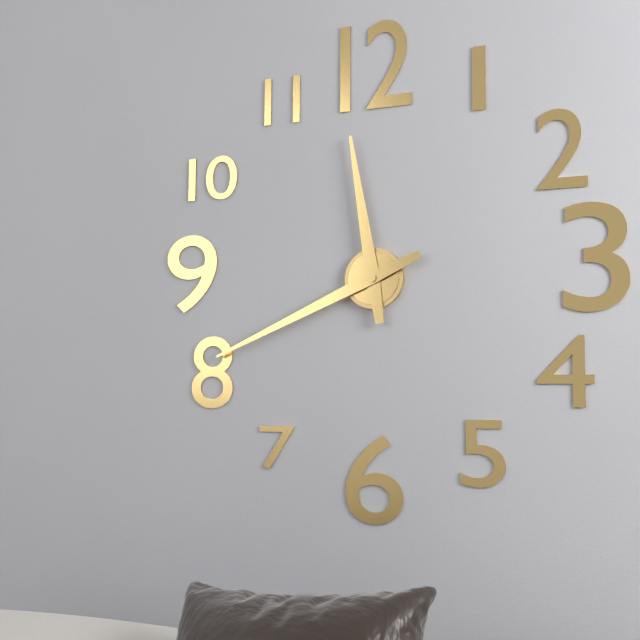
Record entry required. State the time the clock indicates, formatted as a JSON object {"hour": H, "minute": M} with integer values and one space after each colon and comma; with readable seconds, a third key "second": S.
{"hour": 11, "minute": 41}
